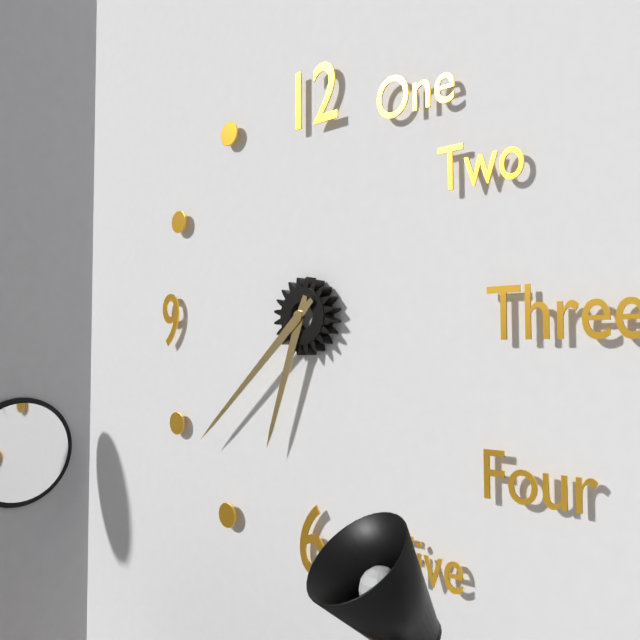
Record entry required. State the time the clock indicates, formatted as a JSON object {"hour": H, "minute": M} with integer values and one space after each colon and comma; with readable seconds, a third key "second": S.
{"hour": 6, "minute": 38}
